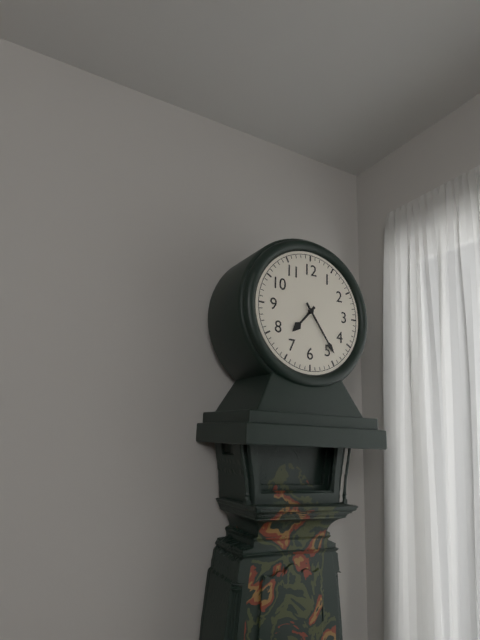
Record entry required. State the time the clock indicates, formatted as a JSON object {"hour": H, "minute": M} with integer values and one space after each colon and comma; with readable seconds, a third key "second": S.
{"hour": 7, "minute": 24}
